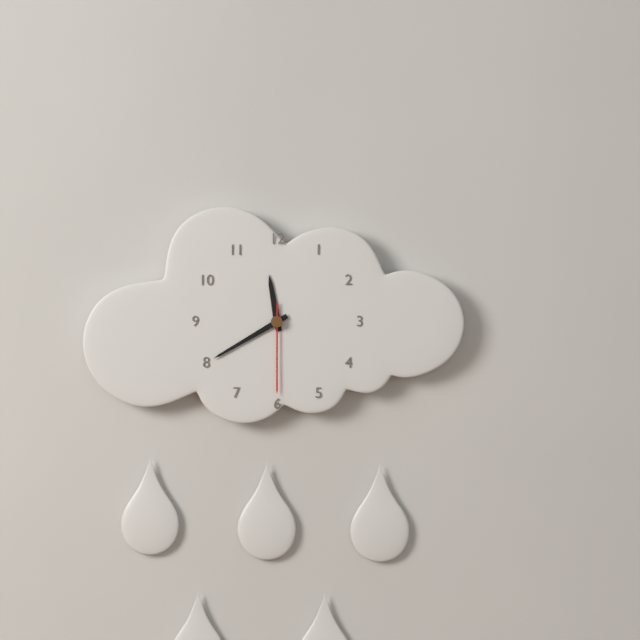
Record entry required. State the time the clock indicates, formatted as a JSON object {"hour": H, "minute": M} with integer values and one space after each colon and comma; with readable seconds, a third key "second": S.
{"hour": 11, "minute": 40, "second": 30}
